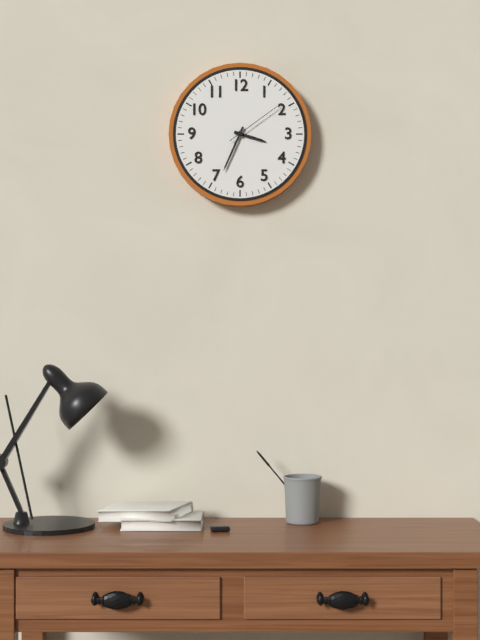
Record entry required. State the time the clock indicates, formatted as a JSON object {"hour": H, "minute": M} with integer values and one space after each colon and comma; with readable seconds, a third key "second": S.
{"hour": 3, "minute": 34, "second": 9}
